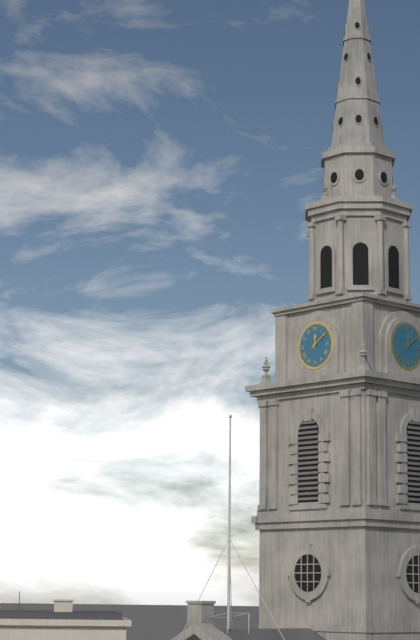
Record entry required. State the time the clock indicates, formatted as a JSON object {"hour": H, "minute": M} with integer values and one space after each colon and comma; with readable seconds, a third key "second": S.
{"hour": 12, "minute": 9}
